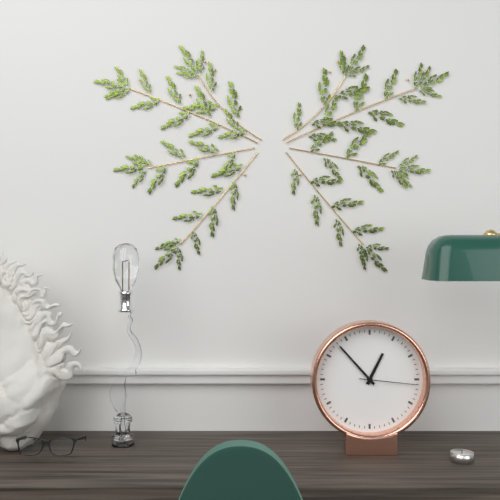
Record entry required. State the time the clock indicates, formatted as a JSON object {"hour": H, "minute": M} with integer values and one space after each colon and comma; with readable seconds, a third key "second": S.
{"hour": 12, "minute": 53, "second": 16}
